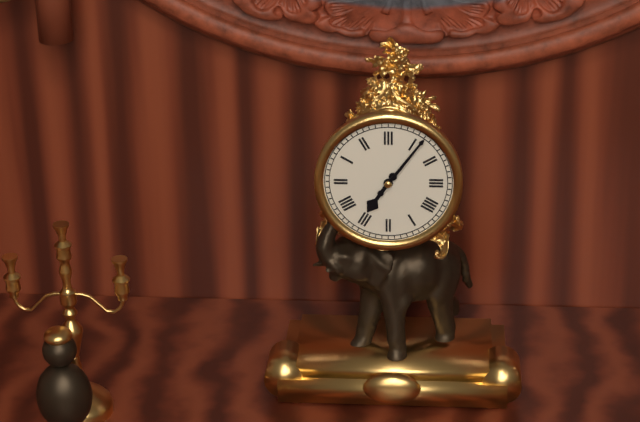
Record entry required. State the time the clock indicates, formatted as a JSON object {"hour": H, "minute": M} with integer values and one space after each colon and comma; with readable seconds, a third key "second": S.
{"hour": 7, "minute": 6}
